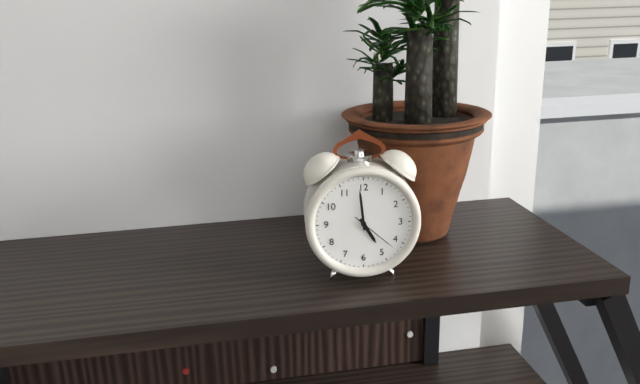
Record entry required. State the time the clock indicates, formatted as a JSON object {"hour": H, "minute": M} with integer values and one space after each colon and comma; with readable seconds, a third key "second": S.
{"hour": 4, "minute": 59}
